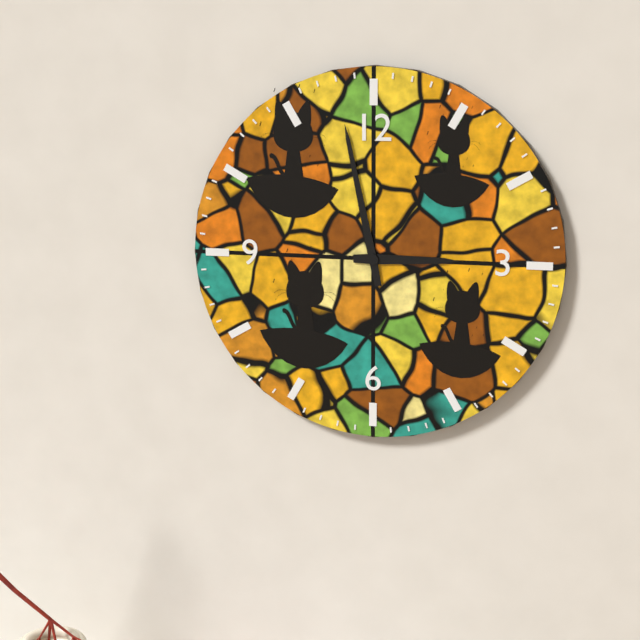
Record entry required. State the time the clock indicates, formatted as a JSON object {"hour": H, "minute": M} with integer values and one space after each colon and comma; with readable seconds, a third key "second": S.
{"hour": 2, "minute": 58}
